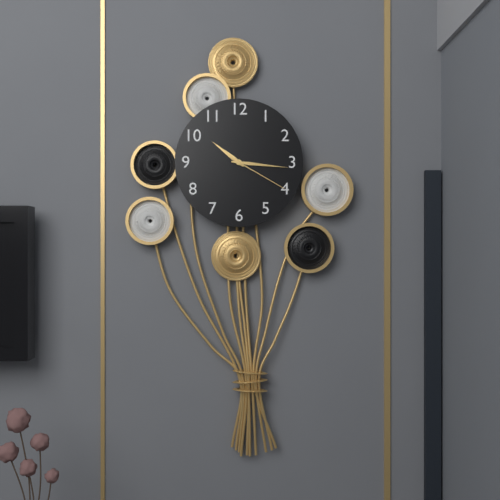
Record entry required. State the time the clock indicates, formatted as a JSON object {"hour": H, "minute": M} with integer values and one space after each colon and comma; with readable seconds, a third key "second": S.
{"hour": 10, "minute": 16, "second": 20}
